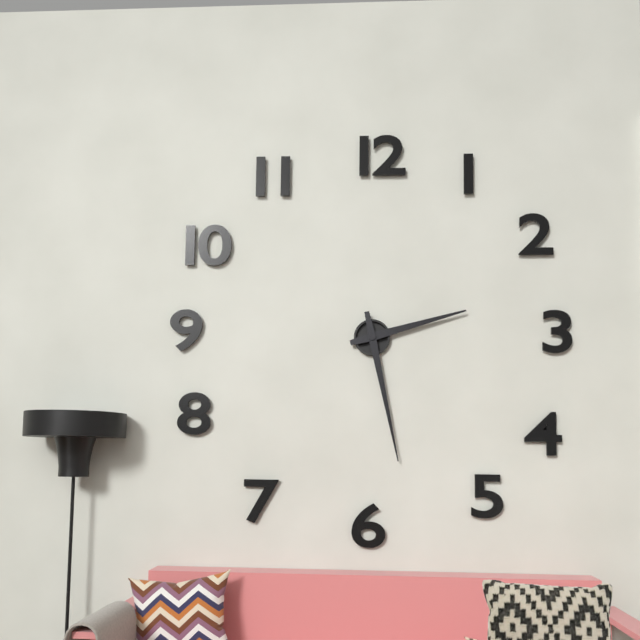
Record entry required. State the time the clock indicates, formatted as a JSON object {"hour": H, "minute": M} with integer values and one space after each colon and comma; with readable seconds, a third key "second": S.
{"hour": 2, "minute": 28}
